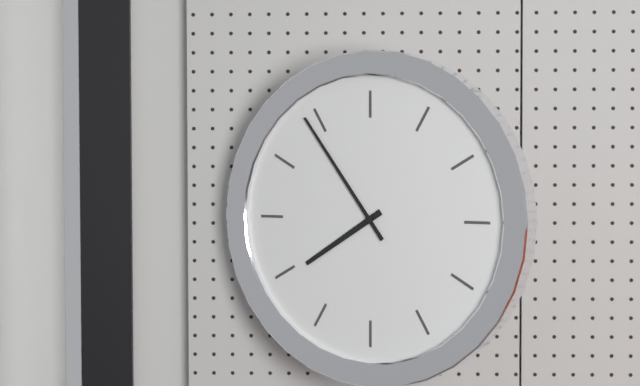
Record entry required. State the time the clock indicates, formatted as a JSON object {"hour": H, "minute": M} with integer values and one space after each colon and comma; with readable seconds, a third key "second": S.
{"hour": 7, "minute": 54}
